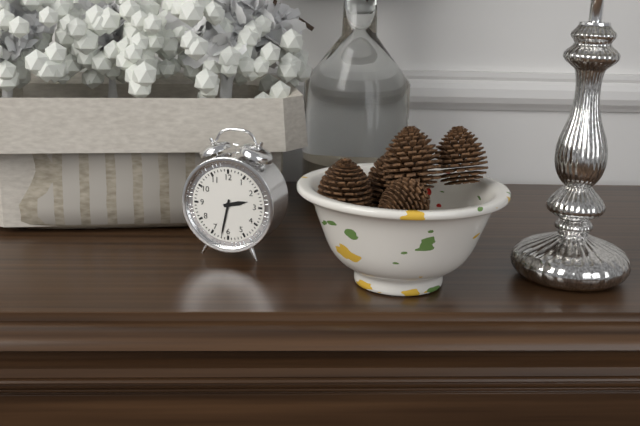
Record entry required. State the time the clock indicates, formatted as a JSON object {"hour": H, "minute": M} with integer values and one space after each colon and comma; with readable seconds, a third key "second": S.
{"hour": 2, "minute": 32}
